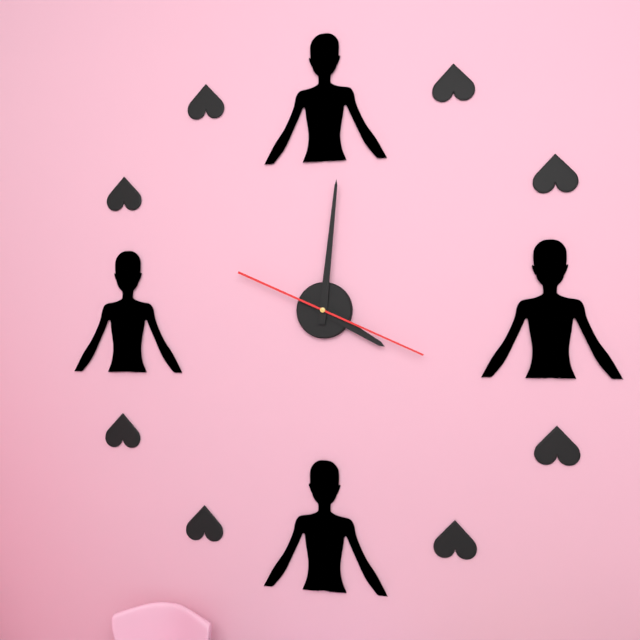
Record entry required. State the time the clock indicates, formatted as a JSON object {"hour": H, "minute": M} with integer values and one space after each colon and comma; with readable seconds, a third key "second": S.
{"hour": 4, "minute": 1, "second": 19}
